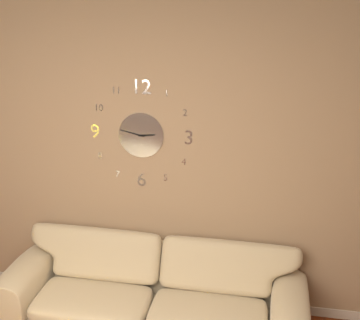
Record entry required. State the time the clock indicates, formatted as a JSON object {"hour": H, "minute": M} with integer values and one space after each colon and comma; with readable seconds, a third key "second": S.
{"hour": 2, "minute": 47}
